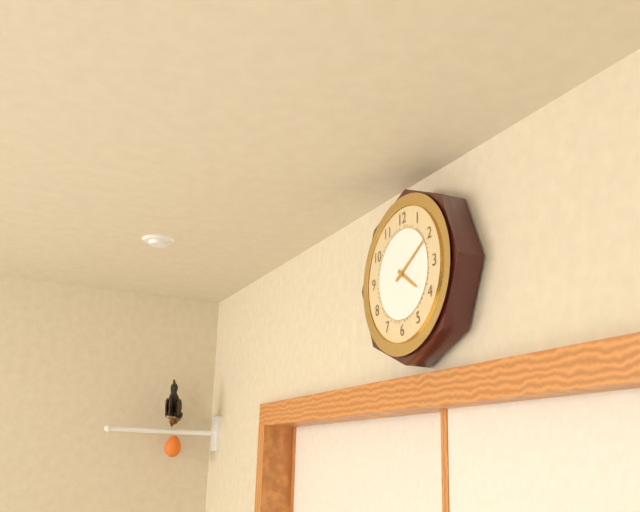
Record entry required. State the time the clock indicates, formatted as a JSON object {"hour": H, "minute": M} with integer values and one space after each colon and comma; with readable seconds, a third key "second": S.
{"hour": 4, "minute": 10}
